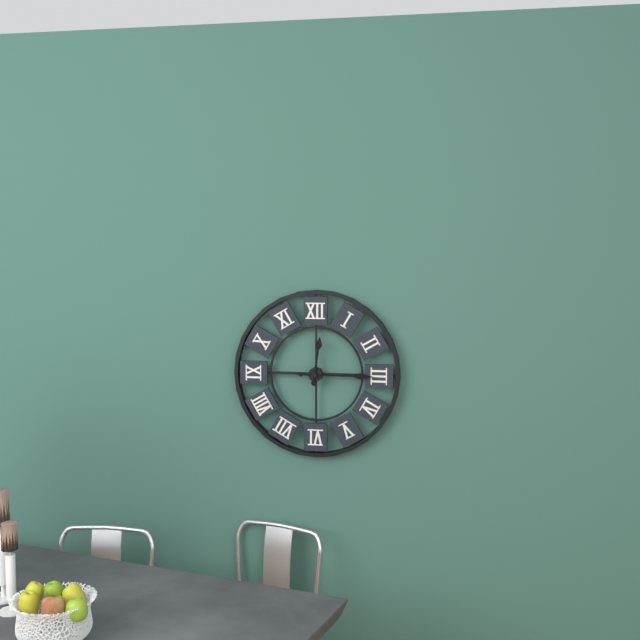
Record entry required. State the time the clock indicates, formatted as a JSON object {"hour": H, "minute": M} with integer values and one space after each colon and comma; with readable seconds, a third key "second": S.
{"hour": 12, "minute": 15}
